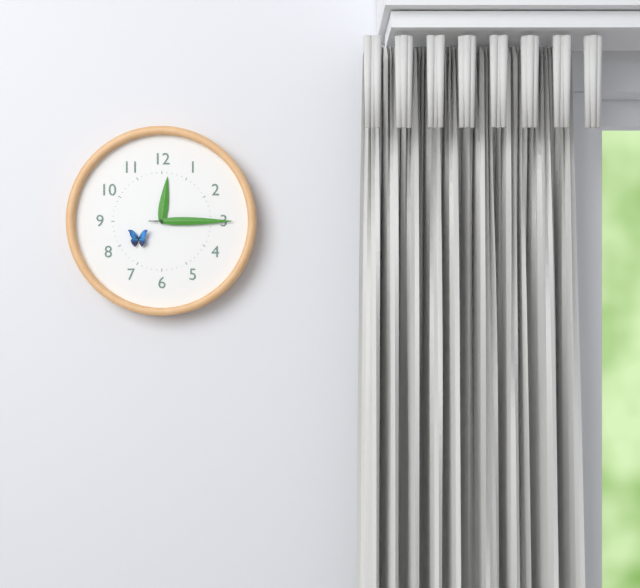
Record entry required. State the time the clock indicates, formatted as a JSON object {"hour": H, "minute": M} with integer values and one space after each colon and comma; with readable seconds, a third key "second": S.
{"hour": 12, "minute": 15}
